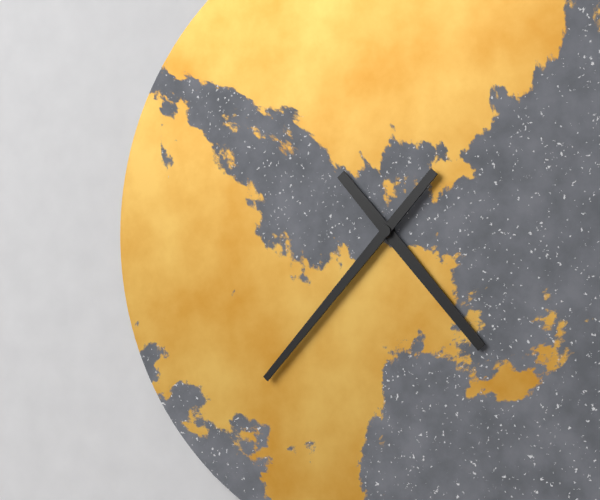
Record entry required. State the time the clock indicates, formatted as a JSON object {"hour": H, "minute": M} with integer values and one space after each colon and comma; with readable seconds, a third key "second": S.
{"hour": 4, "minute": 37}
